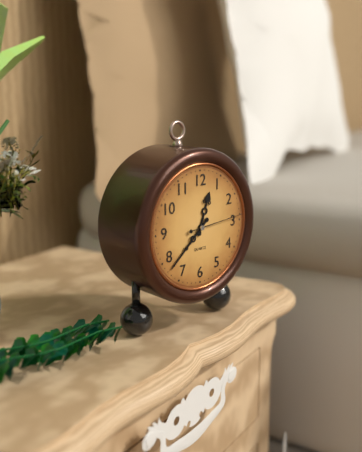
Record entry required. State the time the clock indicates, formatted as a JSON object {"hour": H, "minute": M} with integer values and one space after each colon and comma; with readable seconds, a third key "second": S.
{"hour": 12, "minute": 38, "second": 14}
